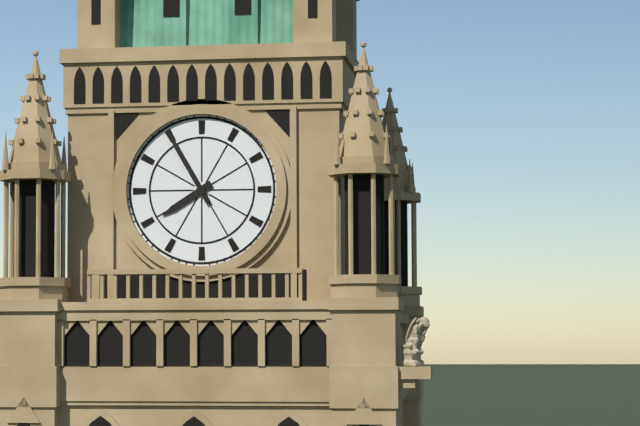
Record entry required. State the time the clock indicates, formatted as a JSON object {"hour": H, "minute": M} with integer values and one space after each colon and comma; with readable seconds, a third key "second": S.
{"hour": 7, "minute": 55}
